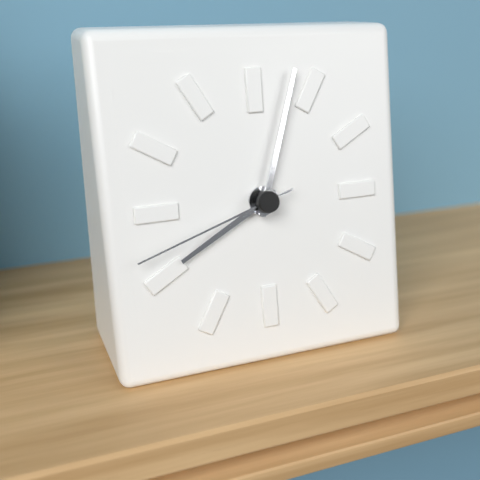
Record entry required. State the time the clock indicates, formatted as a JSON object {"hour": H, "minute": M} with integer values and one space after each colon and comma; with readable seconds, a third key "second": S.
{"hour": 8, "minute": 3, "second": 42}
